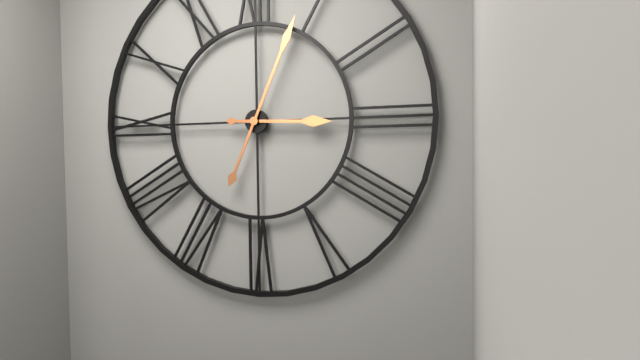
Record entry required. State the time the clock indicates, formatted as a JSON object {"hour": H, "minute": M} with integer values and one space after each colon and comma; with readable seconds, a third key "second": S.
{"hour": 3, "minute": 4}
